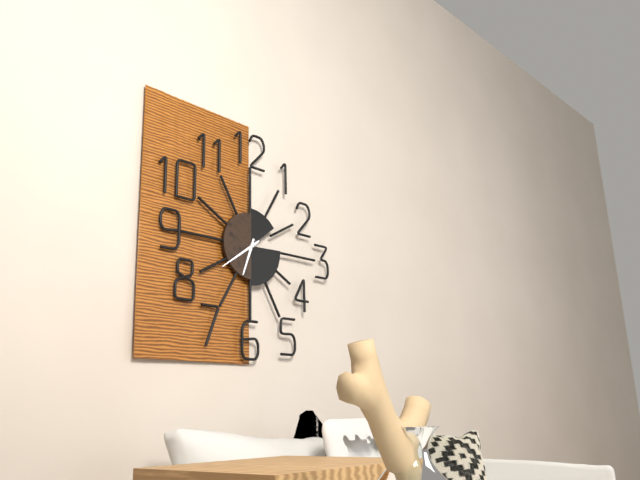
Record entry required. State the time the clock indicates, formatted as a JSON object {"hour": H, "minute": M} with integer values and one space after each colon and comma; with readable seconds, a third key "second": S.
{"hour": 6, "minute": 39}
